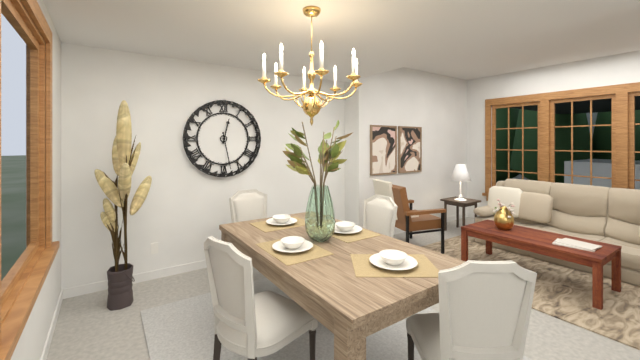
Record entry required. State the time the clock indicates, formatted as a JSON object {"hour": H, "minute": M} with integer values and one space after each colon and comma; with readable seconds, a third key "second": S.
{"hour": 12, "minute": 28}
